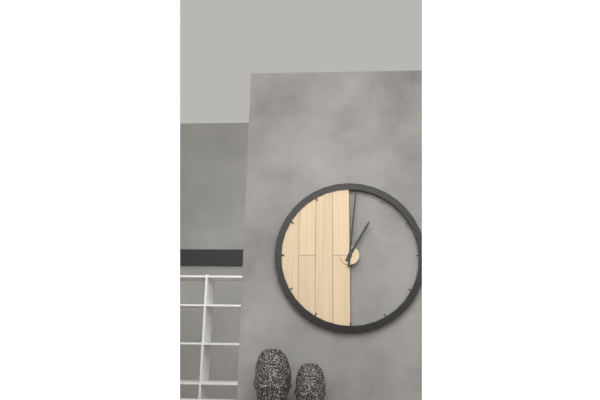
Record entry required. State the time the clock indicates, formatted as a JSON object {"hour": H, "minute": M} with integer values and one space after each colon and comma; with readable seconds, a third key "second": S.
{"hour": 1, "minute": 1}
